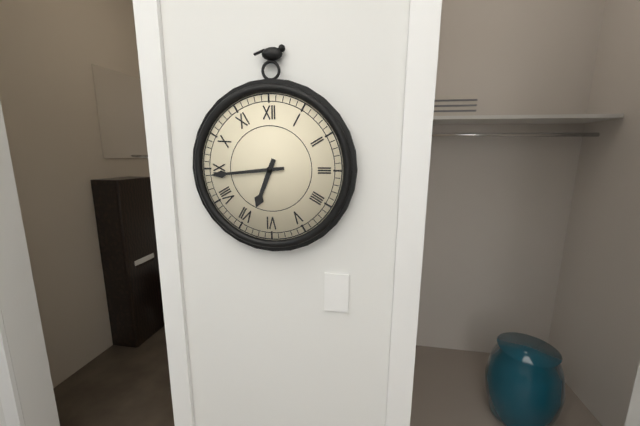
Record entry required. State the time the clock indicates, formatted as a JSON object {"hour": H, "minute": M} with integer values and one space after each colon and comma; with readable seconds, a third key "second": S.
{"hour": 6, "minute": 44}
